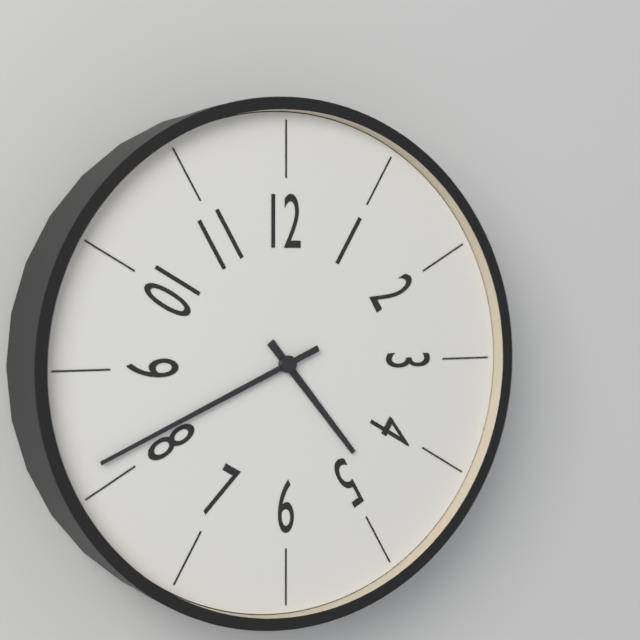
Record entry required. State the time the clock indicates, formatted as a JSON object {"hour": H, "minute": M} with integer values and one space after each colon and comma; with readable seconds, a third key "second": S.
{"hour": 4, "minute": 41}
